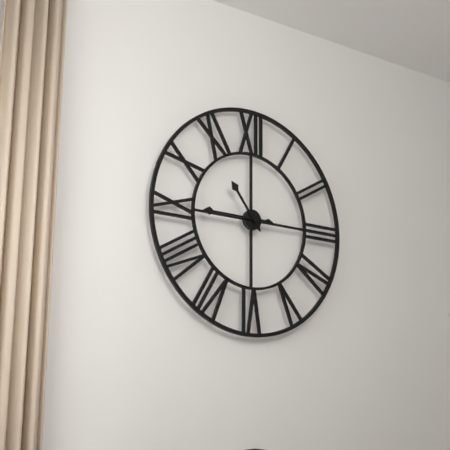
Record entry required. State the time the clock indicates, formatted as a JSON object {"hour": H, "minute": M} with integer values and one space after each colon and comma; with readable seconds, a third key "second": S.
{"hour": 10, "minute": 45}
